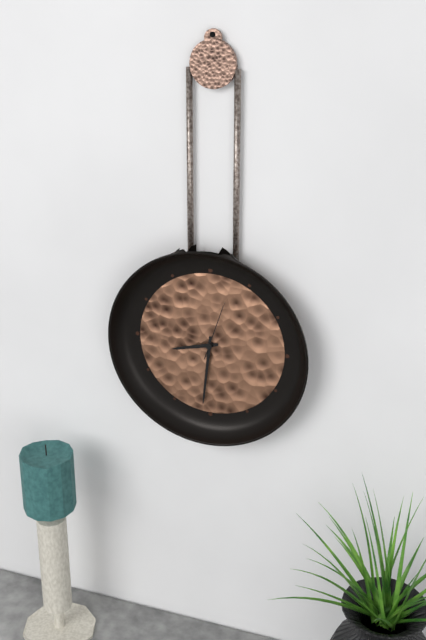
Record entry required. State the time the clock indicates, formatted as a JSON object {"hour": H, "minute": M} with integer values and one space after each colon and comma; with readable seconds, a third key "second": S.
{"hour": 8, "minute": 31, "second": 3}
